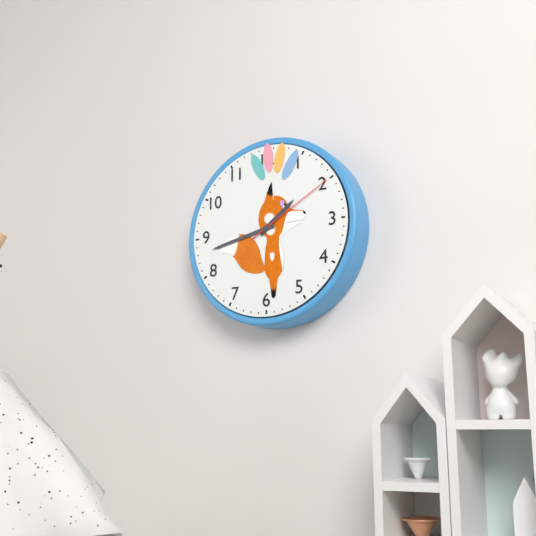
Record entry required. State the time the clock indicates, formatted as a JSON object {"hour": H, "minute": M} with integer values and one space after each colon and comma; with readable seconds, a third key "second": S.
{"hour": 1, "minute": 43, "second": 10}
